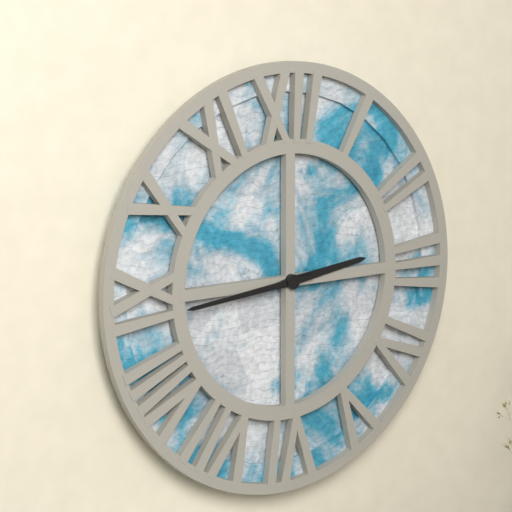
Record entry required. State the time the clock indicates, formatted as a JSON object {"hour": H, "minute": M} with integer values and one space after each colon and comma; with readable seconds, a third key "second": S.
{"hour": 2, "minute": 44}
